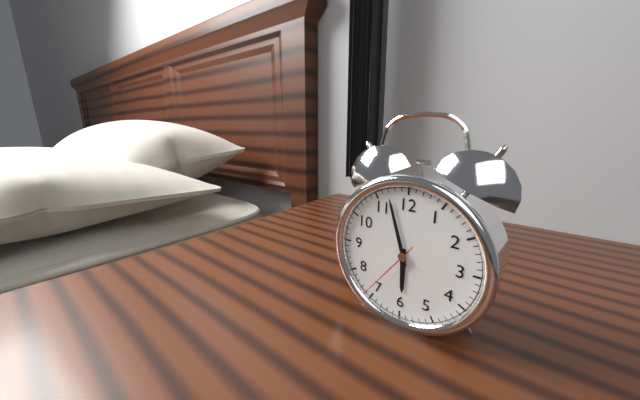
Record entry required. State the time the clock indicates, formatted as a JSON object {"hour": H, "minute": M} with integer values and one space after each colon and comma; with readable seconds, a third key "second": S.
{"hour": 5, "minute": 57, "second": 36}
